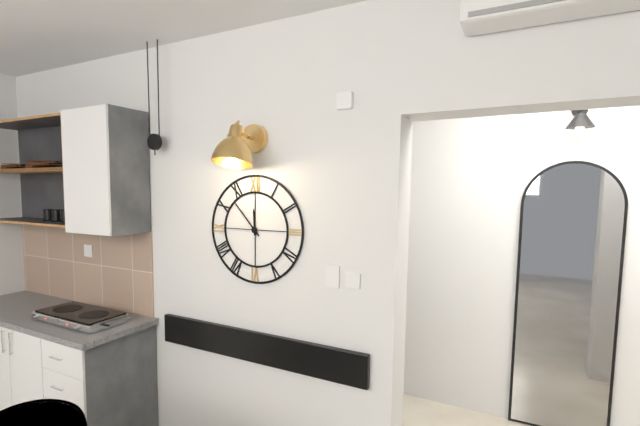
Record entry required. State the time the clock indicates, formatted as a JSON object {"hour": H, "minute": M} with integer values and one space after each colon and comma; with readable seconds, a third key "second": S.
{"hour": 11, "minute": 53}
